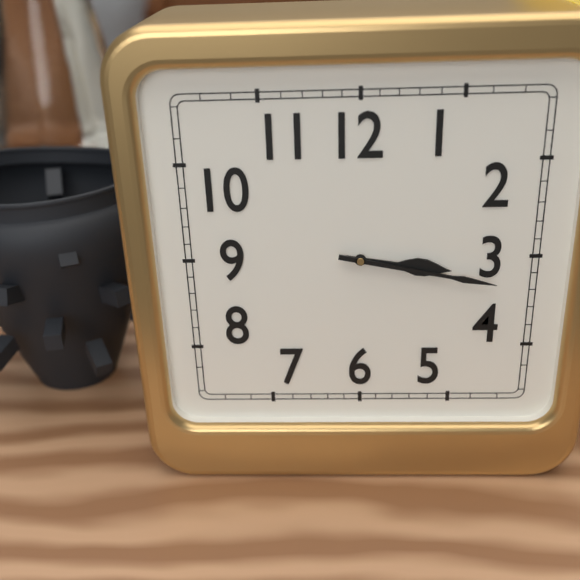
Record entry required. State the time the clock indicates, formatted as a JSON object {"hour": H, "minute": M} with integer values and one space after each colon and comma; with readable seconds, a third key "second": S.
{"hour": 3, "minute": 17}
